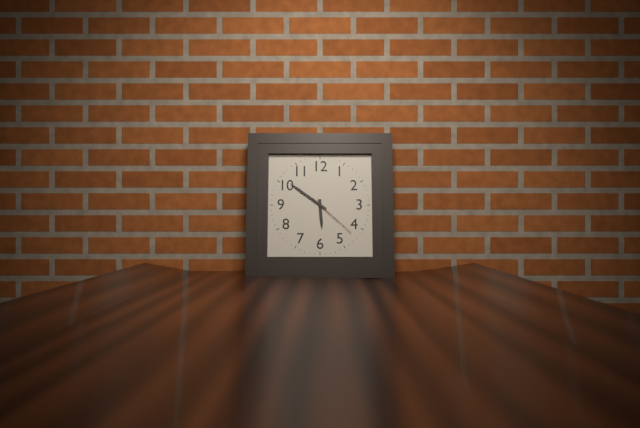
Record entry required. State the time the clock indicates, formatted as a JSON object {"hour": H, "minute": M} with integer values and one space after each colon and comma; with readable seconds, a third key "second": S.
{"hour": 5, "minute": 51, "second": 22}
